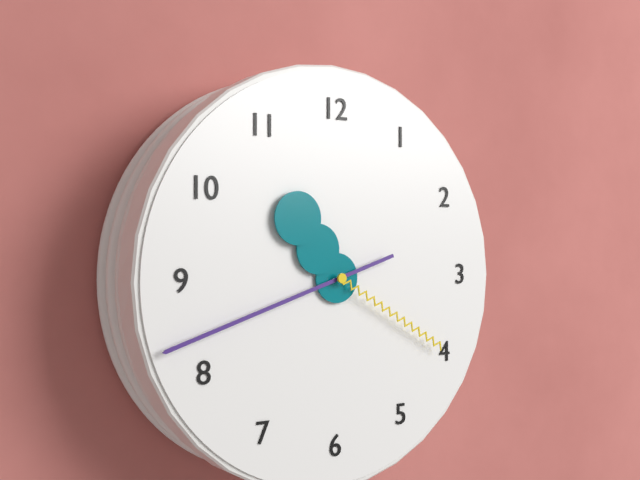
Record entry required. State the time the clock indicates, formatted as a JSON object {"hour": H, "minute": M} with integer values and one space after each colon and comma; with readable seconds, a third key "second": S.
{"hour": 10, "minute": 42, "second": 20}
